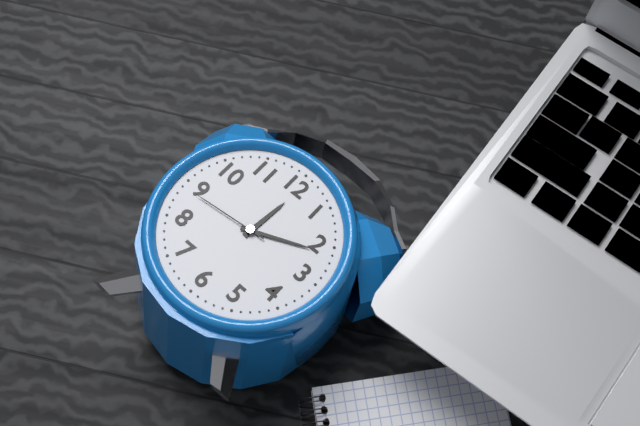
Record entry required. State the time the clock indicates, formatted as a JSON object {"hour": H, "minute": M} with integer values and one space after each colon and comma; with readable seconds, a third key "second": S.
{"hour": 12, "minute": 11, "second": 44}
